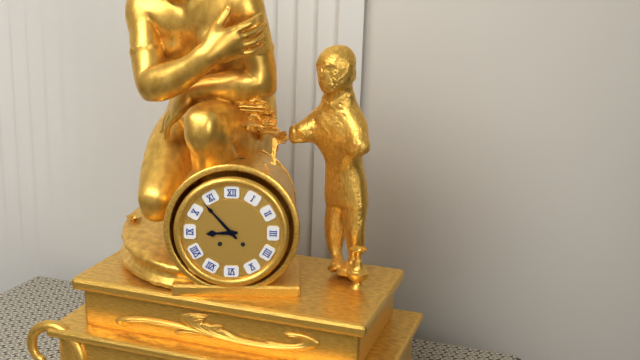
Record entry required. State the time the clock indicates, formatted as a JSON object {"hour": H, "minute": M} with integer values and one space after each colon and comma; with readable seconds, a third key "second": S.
{"hour": 8, "minute": 53}
